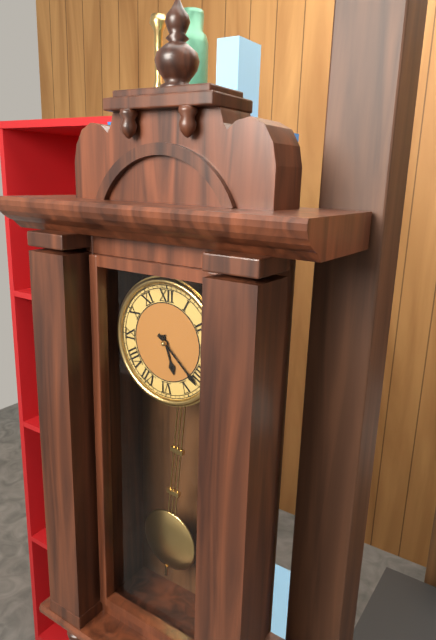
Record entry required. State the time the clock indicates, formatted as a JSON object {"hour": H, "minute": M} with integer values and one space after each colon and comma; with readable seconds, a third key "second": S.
{"hour": 5, "minute": 22}
